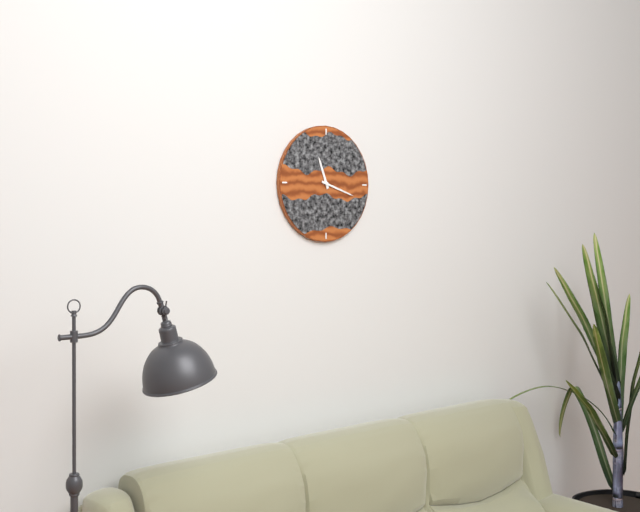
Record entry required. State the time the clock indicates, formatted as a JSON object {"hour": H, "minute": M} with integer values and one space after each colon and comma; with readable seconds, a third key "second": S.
{"hour": 11, "minute": 18}
